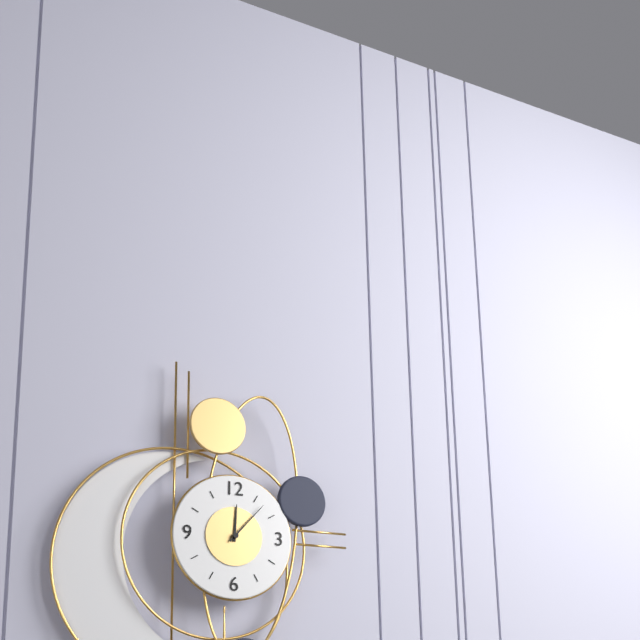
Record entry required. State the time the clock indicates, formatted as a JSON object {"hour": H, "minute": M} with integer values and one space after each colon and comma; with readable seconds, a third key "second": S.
{"hour": 12, "minute": 7}
